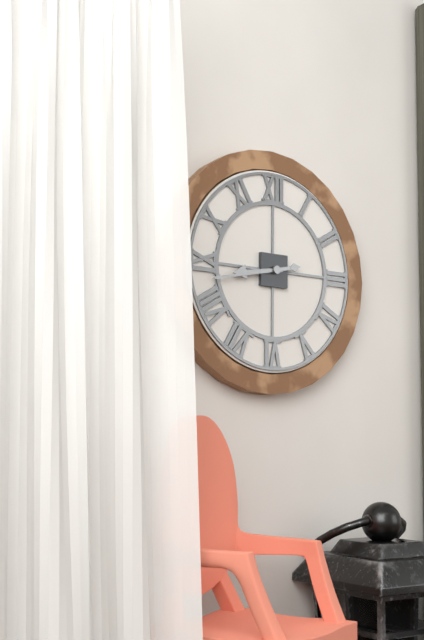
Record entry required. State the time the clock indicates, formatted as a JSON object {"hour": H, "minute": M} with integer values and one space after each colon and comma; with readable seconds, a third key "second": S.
{"hour": 8, "minute": 43}
